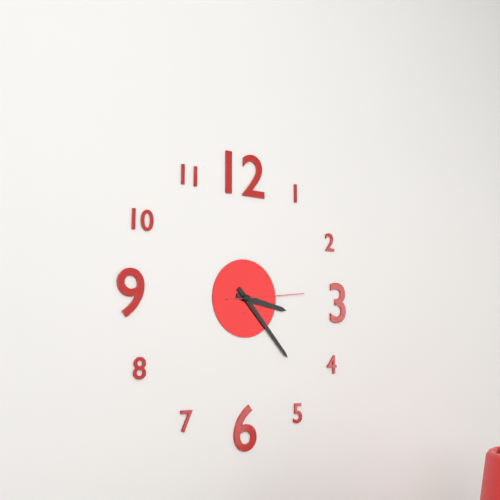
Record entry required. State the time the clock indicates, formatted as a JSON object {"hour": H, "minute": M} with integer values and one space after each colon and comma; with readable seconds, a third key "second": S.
{"hour": 3, "minute": 23, "second": 14}
